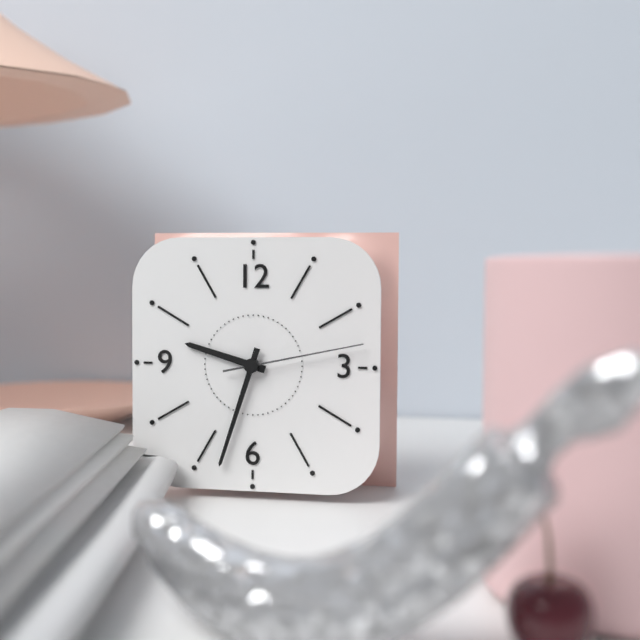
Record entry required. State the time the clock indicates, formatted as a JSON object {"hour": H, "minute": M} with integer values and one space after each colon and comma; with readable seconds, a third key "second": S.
{"hour": 9, "minute": 33, "second": 13}
